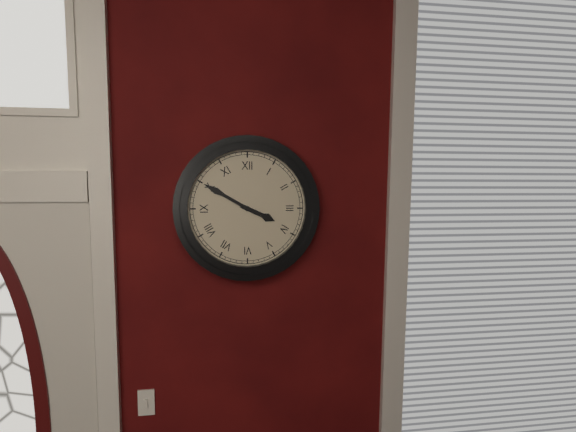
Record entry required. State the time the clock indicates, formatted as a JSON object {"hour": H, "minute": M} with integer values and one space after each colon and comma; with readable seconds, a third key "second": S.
{"hour": 3, "minute": 50}
